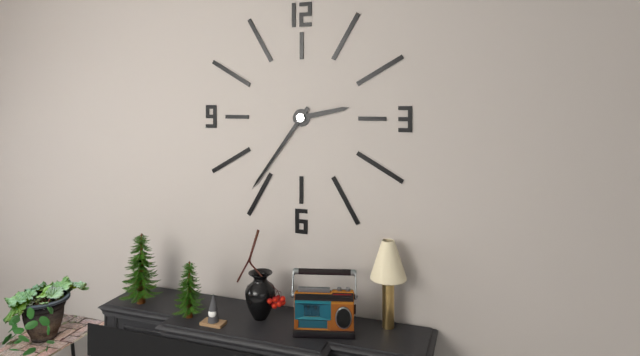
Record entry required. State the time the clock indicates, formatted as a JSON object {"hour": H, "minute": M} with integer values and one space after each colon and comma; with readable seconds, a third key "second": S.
{"hour": 2, "minute": 36}
